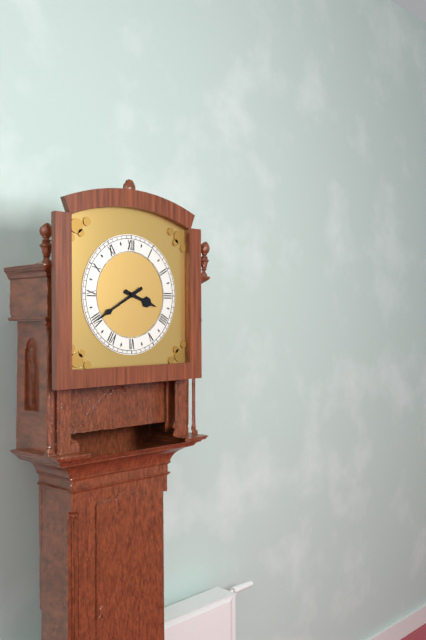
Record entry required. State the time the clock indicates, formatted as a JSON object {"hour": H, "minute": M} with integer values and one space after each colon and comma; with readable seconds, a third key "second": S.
{"hour": 3, "minute": 40}
